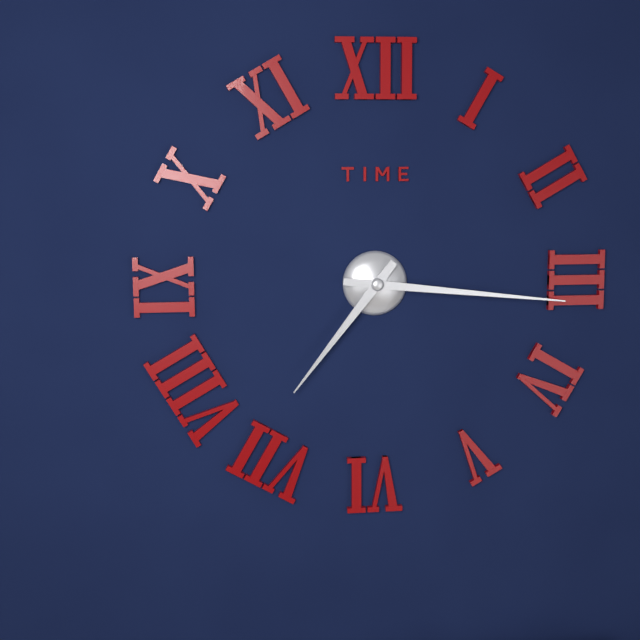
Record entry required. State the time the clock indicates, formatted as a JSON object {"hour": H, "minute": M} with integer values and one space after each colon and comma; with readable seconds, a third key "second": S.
{"hour": 7, "minute": 16}
